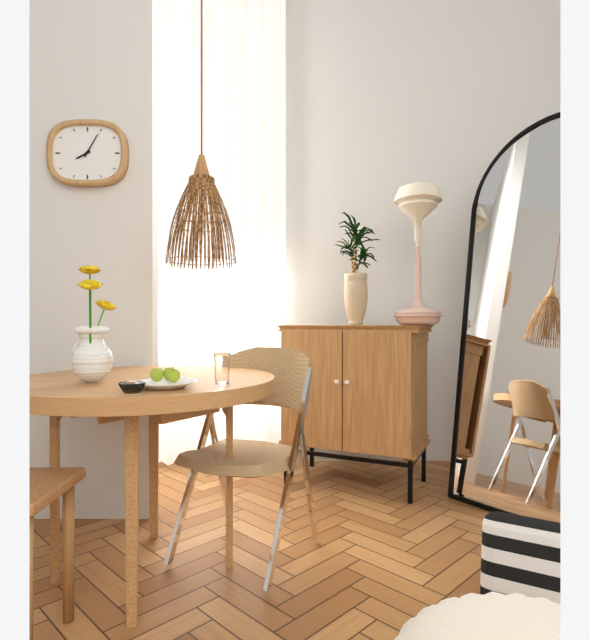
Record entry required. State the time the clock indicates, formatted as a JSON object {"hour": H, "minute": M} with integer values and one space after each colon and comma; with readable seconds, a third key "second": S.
{"hour": 8, "minute": 5}
